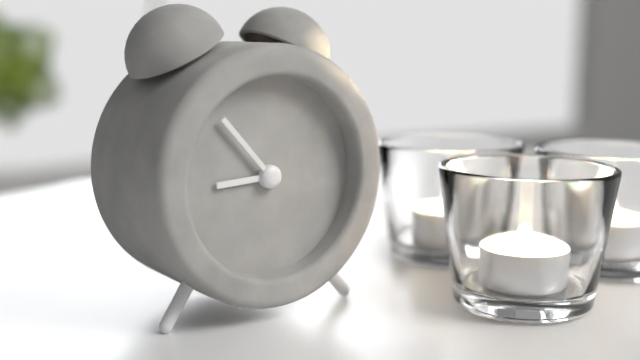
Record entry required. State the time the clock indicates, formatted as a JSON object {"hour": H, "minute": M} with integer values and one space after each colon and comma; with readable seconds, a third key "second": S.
{"hour": 8, "minute": 53}
